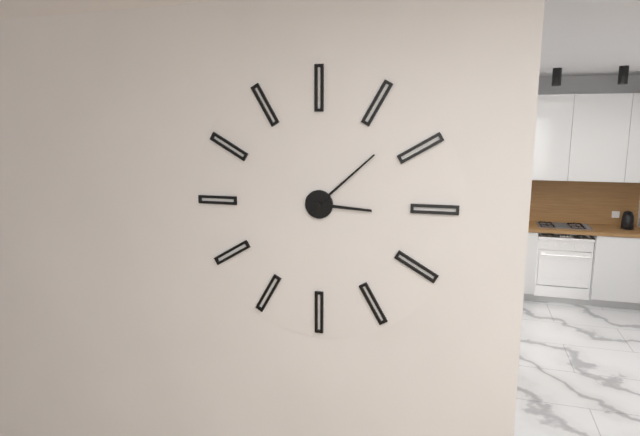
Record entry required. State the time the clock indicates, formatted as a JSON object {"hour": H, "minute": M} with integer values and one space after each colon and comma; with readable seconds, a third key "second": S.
{"hour": 3, "minute": 8}
